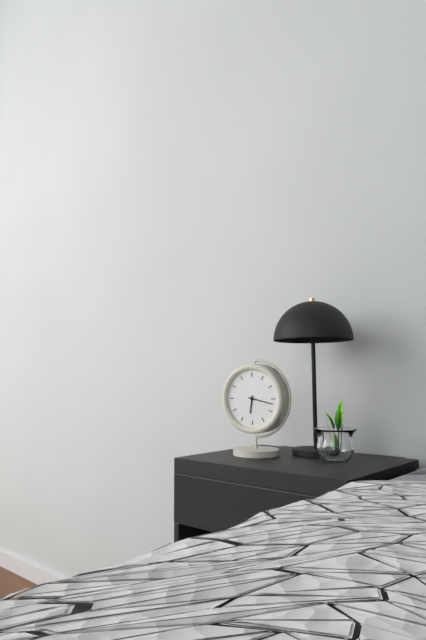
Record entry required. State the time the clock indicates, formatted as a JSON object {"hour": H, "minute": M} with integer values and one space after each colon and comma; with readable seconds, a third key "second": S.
{"hour": 6, "minute": 17}
